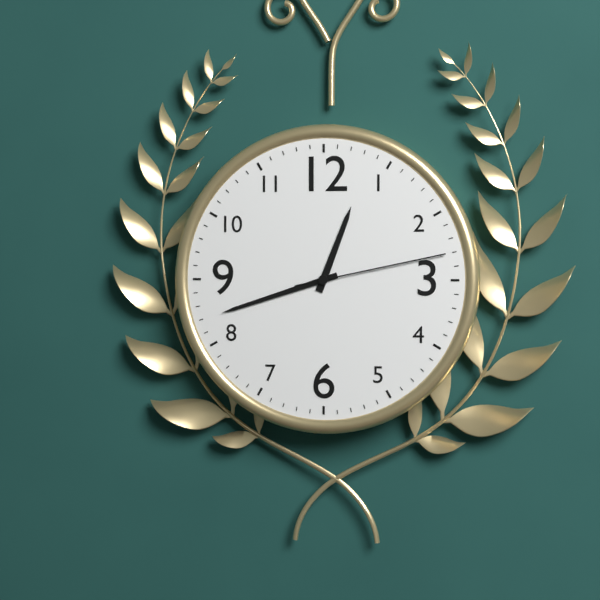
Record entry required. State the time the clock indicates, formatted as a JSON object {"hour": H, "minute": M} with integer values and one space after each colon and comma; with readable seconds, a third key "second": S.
{"hour": 12, "minute": 42, "second": 13}
